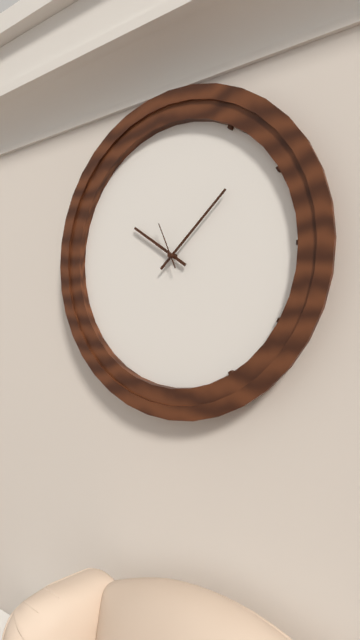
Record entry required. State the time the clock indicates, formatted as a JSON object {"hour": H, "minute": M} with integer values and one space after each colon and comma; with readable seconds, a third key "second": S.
{"hour": 10, "minute": 8}
